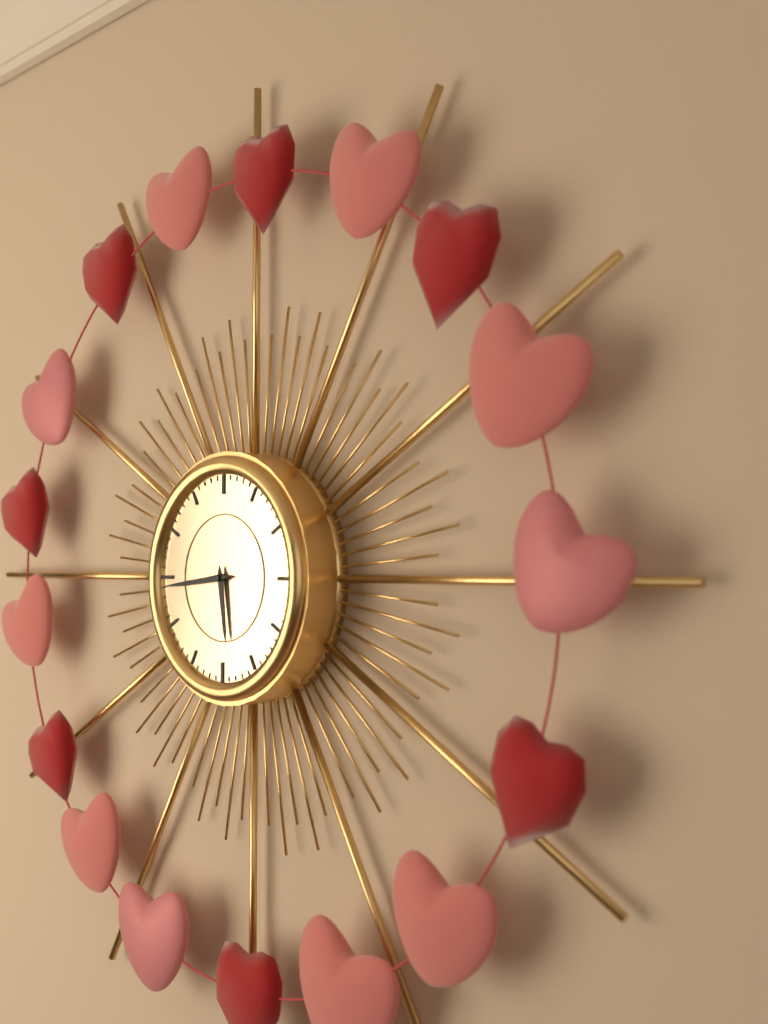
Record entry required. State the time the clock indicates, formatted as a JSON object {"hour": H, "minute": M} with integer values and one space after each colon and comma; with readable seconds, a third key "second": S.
{"hour": 5, "minute": 44}
